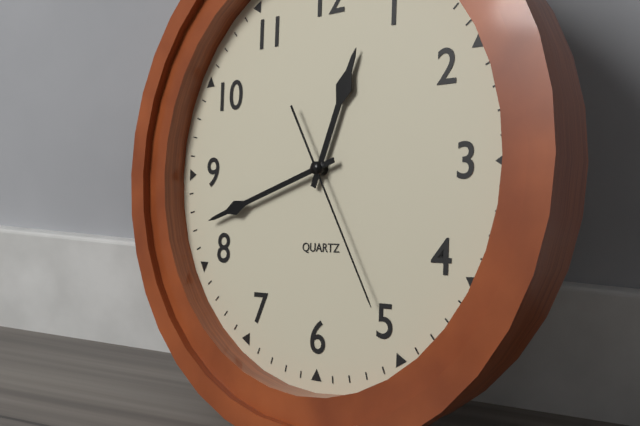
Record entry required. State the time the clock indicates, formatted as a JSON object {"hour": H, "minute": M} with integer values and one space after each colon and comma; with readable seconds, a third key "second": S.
{"hour": 12, "minute": 42, "second": 25}
